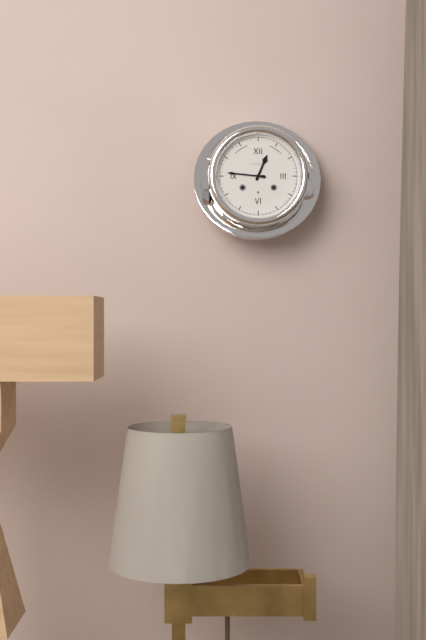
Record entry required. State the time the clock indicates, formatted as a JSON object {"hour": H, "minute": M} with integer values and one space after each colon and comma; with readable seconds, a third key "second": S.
{"hour": 12, "minute": 46}
